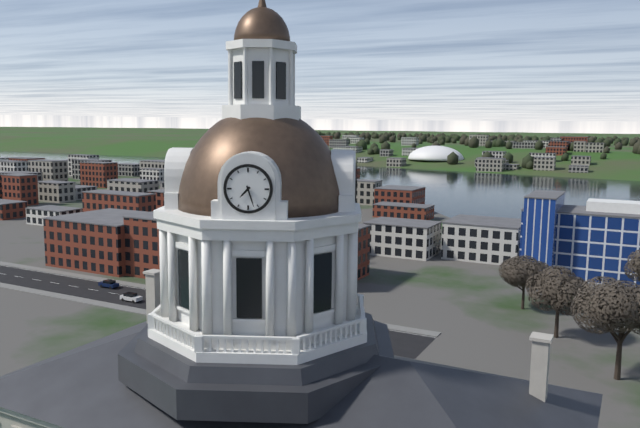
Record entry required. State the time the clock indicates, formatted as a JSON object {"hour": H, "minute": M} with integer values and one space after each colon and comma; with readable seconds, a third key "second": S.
{"hour": 7, "minute": 27}
